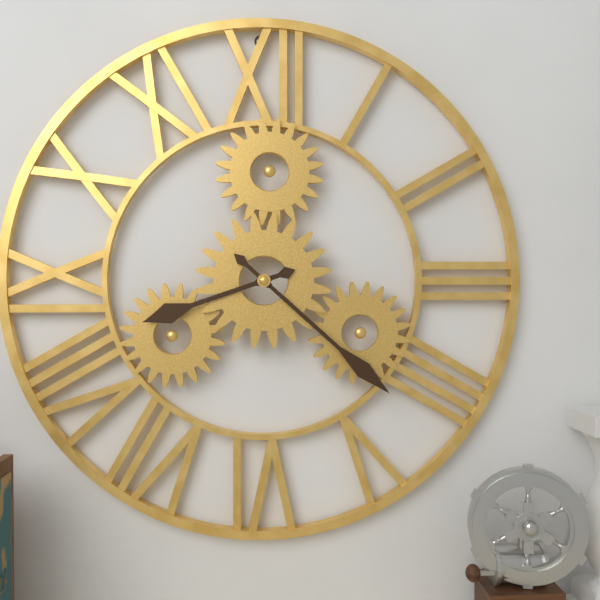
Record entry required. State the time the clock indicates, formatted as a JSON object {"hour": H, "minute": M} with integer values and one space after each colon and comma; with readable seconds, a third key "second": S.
{"hour": 8, "minute": 22}
